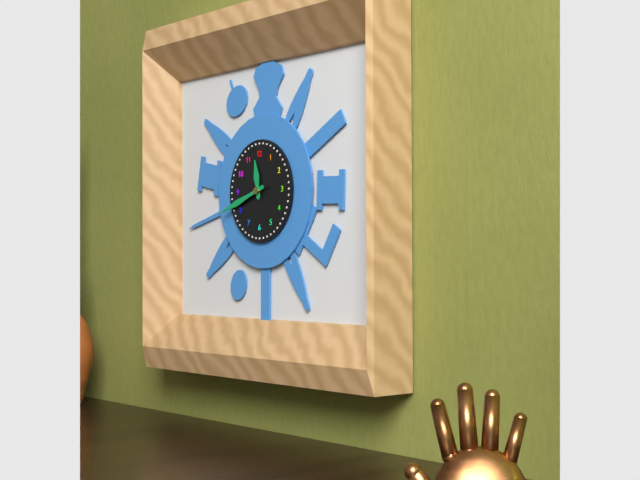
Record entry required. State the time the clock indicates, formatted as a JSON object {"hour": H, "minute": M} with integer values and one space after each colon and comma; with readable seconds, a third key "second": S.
{"hour": 11, "minute": 42}
